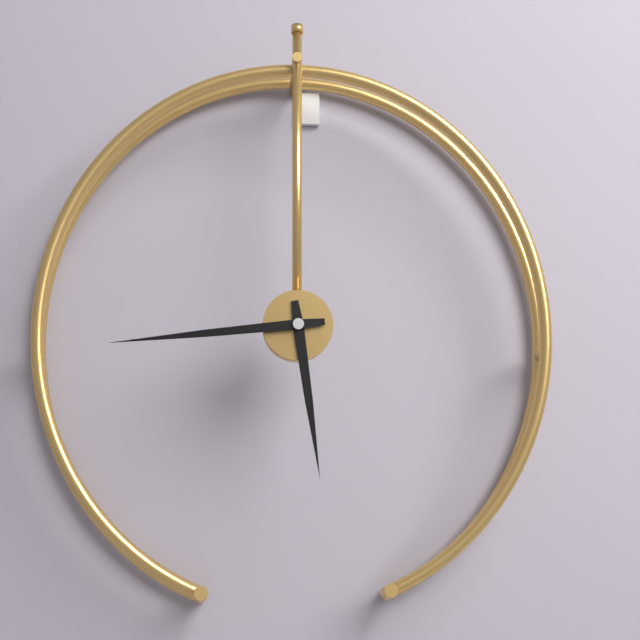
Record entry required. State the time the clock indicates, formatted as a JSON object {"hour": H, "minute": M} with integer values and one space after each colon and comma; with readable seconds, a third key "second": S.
{"hour": 5, "minute": 44}
